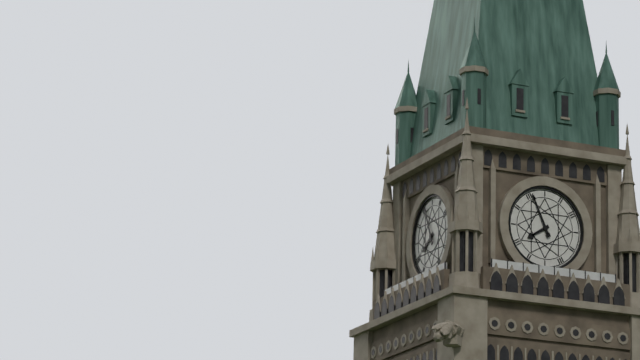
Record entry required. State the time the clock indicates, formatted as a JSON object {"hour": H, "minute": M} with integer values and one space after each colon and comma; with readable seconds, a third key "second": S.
{"hour": 7, "minute": 56}
